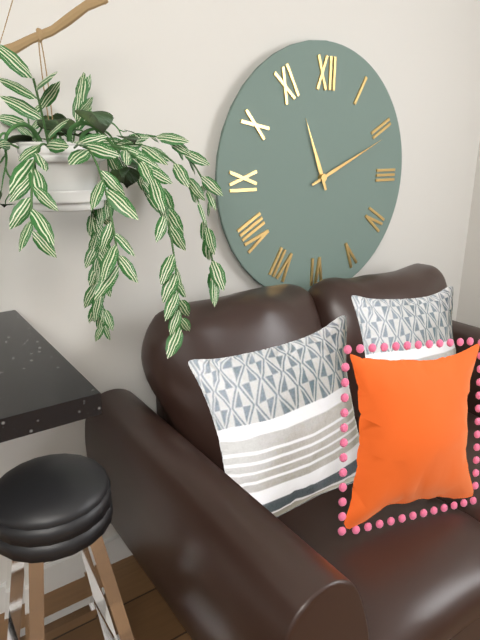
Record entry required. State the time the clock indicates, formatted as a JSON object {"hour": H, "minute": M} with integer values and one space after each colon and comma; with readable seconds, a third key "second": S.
{"hour": 11, "minute": 11}
